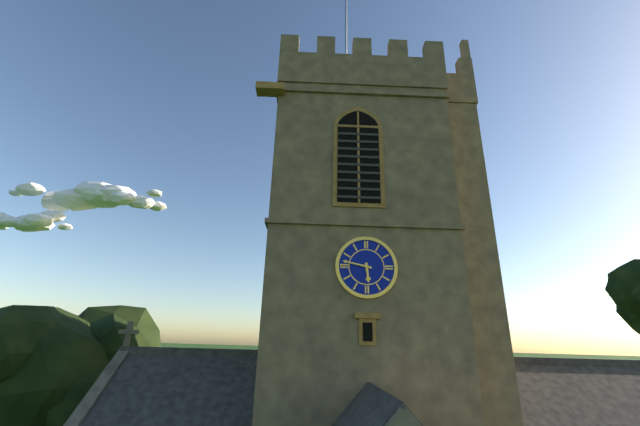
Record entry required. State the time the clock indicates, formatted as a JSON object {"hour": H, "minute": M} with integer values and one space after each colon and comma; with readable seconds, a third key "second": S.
{"hour": 5, "minute": 47}
